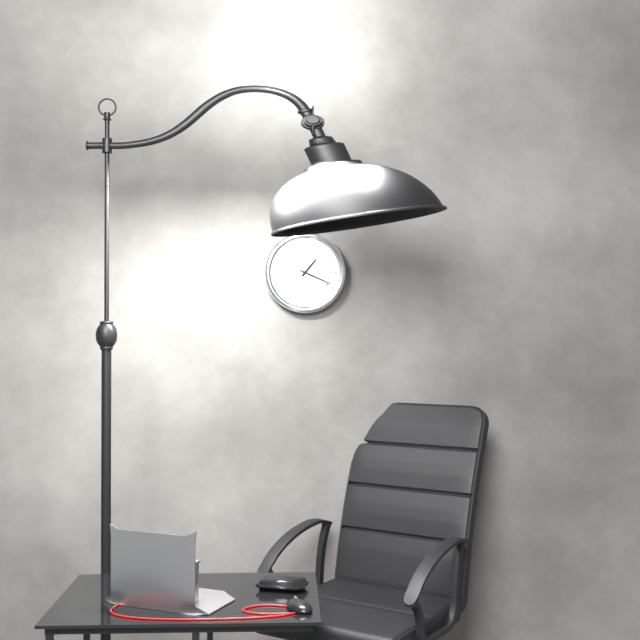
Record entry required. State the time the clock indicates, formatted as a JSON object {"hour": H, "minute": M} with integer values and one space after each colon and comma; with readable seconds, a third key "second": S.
{"hour": 1, "minute": 19}
